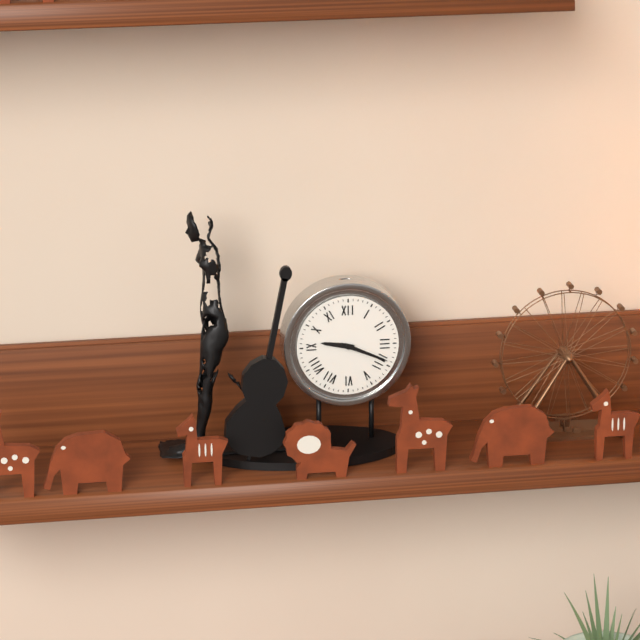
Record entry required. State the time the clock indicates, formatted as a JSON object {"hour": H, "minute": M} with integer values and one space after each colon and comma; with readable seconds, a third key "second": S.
{"hour": 9, "minute": 19}
